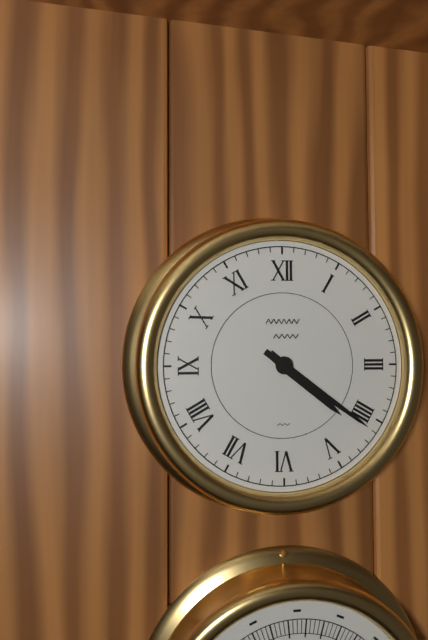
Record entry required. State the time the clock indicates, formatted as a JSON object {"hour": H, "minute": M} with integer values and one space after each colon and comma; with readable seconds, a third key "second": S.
{"hour": 4, "minute": 21}
